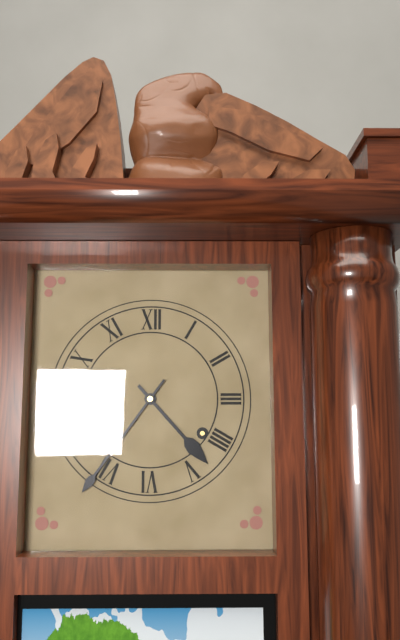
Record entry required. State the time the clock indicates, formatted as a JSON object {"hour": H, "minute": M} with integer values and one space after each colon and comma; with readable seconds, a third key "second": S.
{"hour": 4, "minute": 36}
